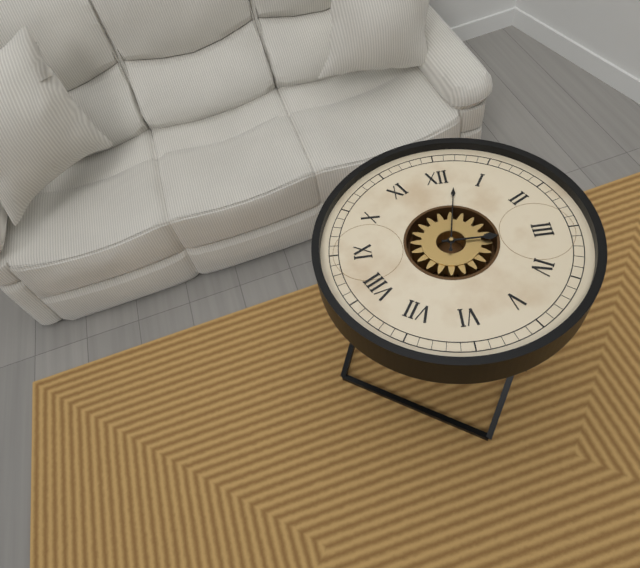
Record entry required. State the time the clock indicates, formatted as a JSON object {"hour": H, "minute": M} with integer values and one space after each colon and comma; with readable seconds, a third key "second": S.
{"hour": 3, "minute": 2}
